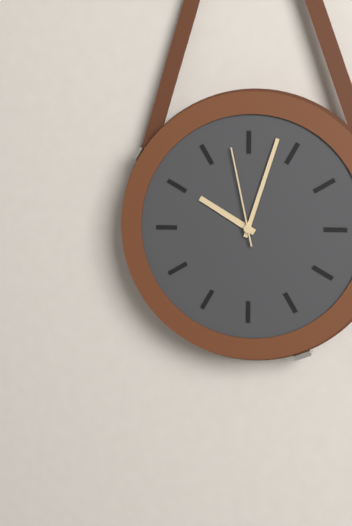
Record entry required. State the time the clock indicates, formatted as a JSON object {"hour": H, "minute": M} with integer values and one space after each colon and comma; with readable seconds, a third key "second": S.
{"hour": 10, "minute": 3, "second": 58}
